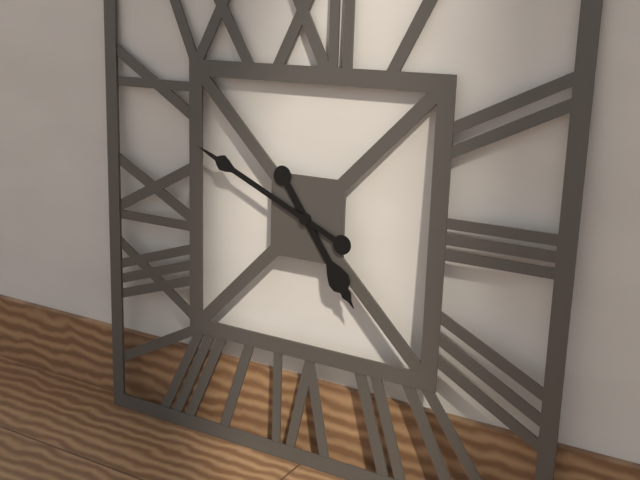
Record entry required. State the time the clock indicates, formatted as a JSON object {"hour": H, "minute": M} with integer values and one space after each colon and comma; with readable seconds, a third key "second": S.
{"hour": 4, "minute": 49}
